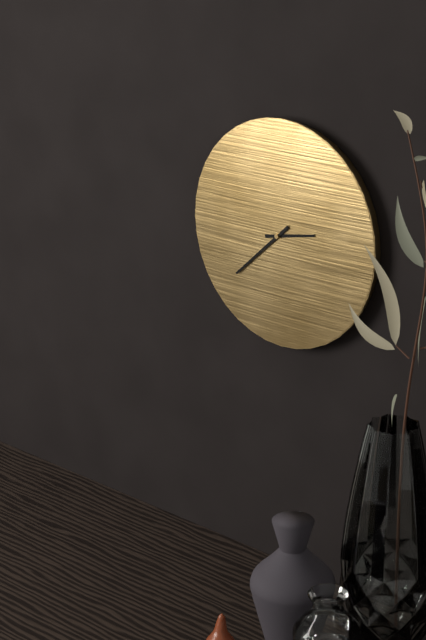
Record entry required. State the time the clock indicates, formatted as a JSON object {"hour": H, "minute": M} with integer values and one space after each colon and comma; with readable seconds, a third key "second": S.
{"hour": 2, "minute": 38}
